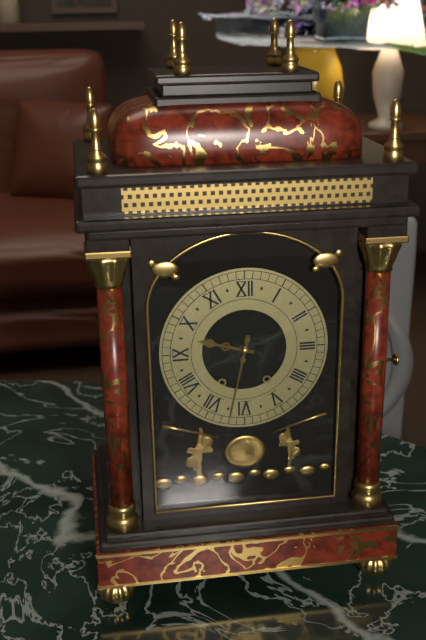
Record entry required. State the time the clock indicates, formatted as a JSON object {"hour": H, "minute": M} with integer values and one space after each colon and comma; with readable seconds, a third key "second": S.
{"hour": 9, "minute": 32}
